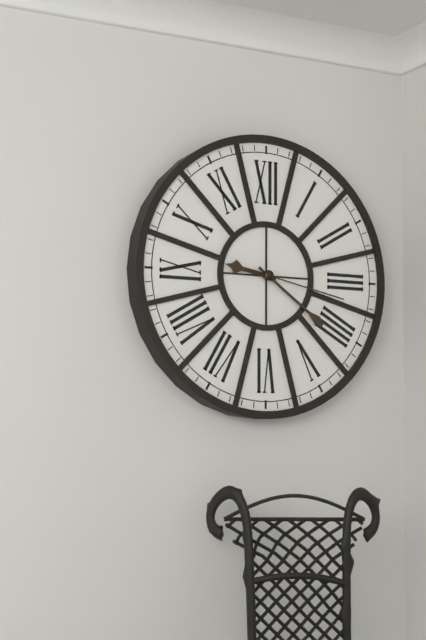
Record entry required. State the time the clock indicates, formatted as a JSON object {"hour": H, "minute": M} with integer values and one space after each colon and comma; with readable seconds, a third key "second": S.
{"hour": 9, "minute": 21, "second": 17}
